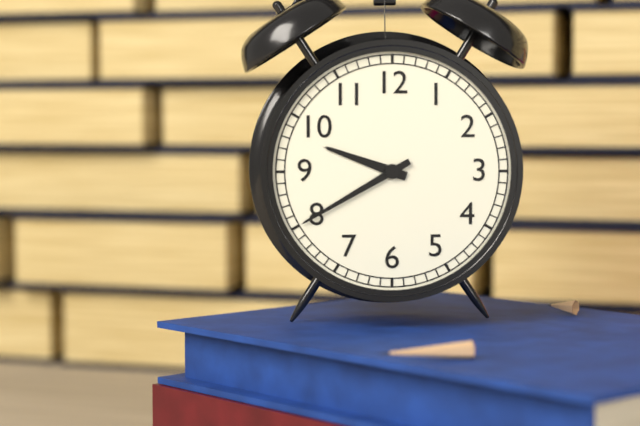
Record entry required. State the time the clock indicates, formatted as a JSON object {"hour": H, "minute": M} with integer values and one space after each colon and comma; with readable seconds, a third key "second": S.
{"hour": 9, "minute": 40}
